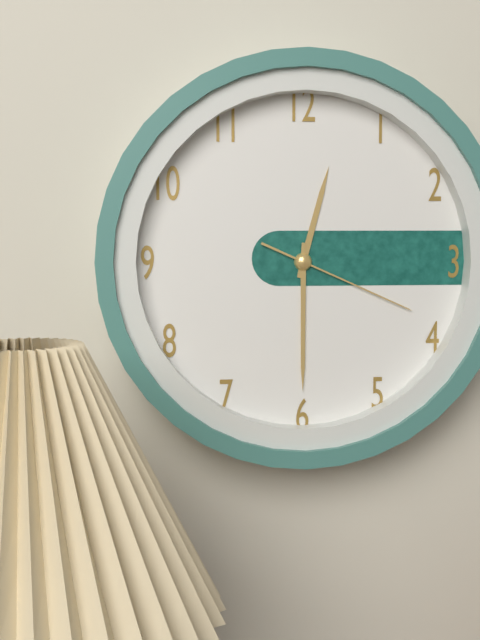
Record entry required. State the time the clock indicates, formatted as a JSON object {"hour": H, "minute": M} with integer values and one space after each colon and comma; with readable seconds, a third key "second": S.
{"hour": 12, "minute": 30, "second": 19}
